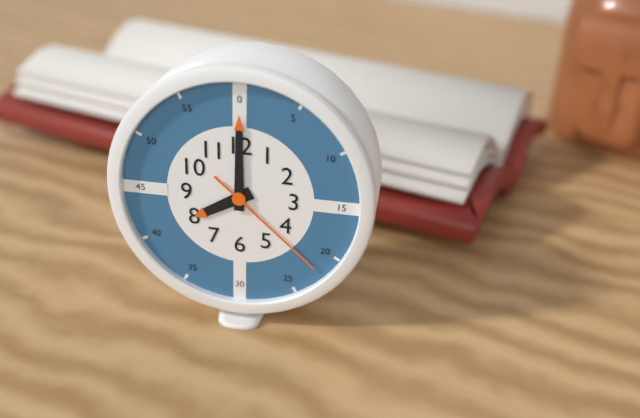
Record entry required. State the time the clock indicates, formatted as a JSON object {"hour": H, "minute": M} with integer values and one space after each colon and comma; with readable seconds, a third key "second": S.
{"hour": 8, "minute": 0, "second": 22}
